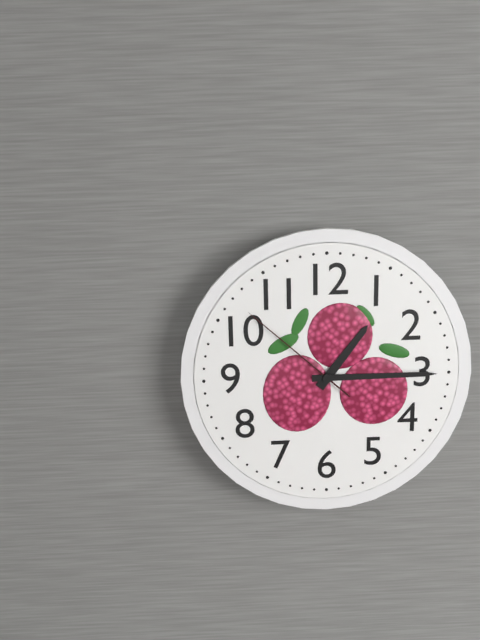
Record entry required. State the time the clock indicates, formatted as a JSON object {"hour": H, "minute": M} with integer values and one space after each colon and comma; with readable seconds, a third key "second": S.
{"hour": 1, "minute": 15, "second": 52}
